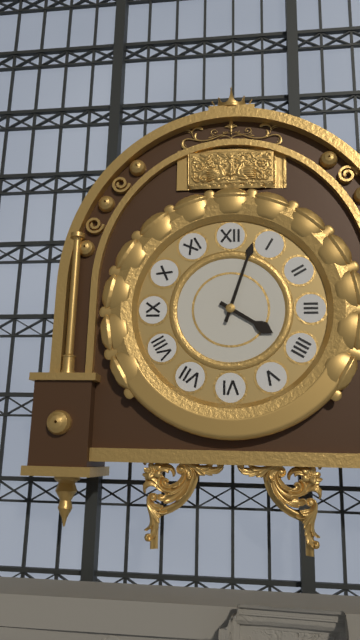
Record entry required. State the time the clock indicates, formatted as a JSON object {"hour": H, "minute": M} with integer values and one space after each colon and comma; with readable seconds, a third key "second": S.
{"hour": 4, "minute": 3}
